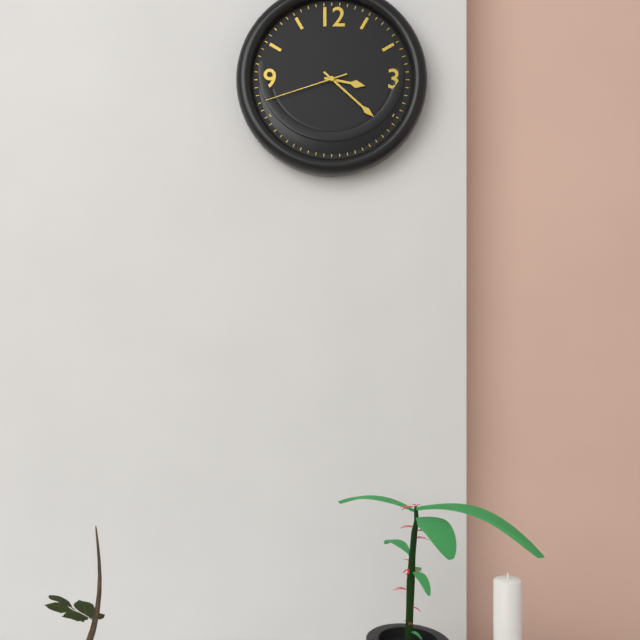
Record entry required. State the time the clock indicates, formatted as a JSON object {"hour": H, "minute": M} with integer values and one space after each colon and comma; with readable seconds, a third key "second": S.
{"hour": 3, "minute": 22, "second": 42}
